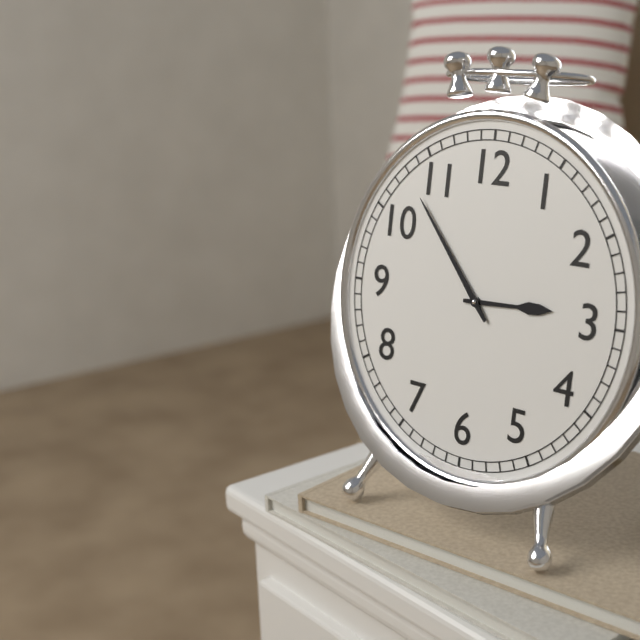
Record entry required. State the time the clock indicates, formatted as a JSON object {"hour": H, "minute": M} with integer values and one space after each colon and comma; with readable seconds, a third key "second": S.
{"hour": 2, "minute": 53}
